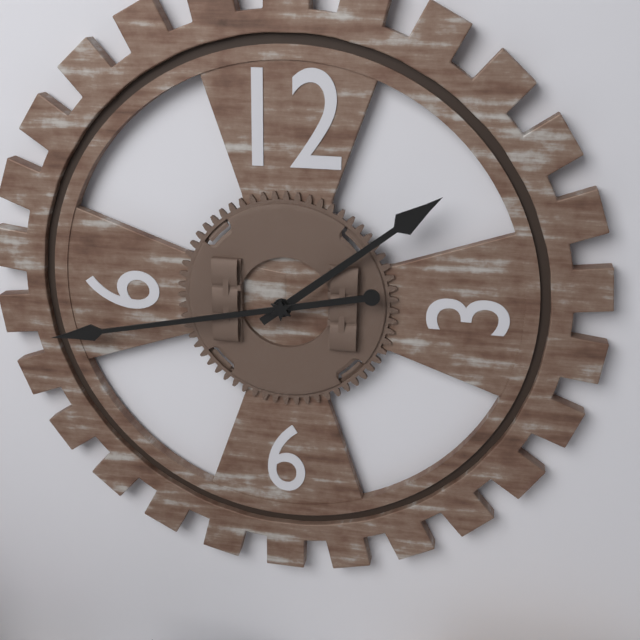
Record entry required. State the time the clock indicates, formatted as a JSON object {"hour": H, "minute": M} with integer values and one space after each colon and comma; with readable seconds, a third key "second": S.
{"hour": 1, "minute": 43}
